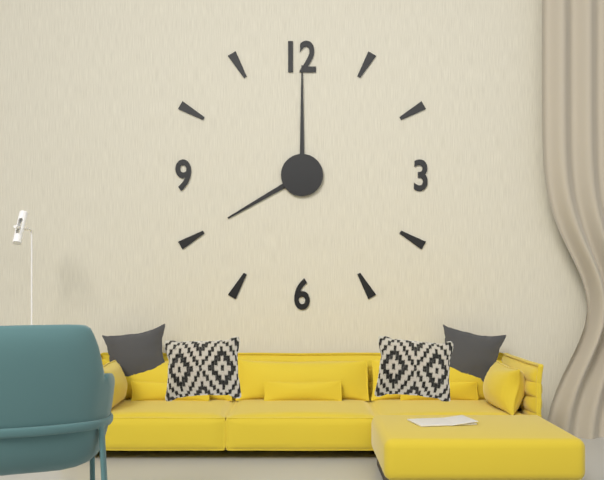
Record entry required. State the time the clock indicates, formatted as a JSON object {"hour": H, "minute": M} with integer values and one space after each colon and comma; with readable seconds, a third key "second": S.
{"hour": 8, "minute": 0}
